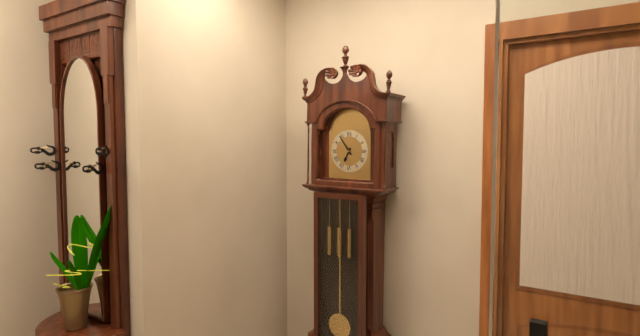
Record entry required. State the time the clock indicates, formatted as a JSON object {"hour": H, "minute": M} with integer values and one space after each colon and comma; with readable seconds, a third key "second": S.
{"hour": 6, "minute": 54}
